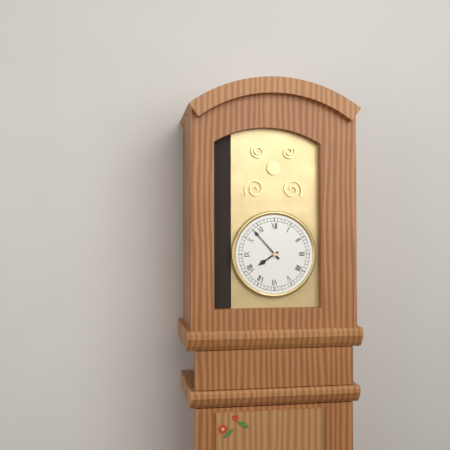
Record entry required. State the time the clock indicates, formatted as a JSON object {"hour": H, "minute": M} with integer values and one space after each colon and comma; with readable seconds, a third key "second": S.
{"hour": 7, "minute": 53}
